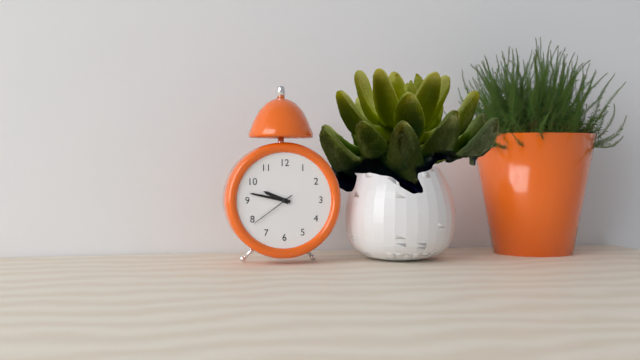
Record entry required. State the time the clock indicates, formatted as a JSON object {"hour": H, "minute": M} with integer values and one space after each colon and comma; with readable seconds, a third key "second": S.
{"hour": 9, "minute": 47}
